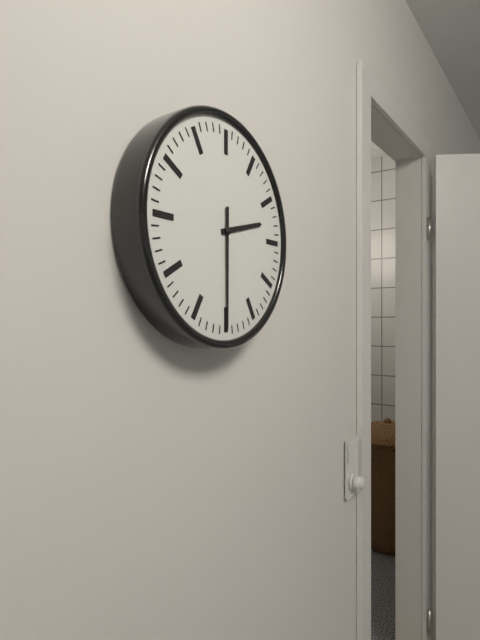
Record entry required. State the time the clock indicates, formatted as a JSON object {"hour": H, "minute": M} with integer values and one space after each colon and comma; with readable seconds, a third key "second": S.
{"hour": 2, "minute": 30}
